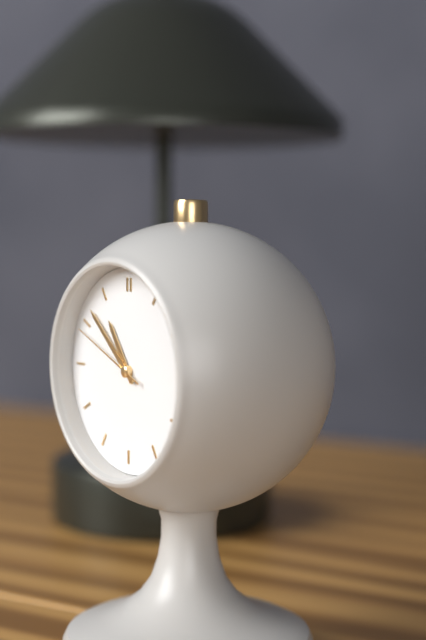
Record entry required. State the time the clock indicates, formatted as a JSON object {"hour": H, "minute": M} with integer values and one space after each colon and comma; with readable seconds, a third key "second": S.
{"hour": 10, "minute": 52, "second": 49}
